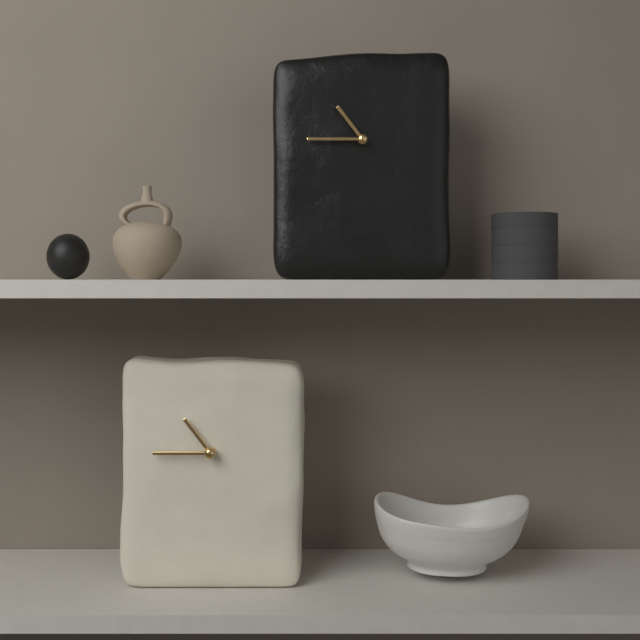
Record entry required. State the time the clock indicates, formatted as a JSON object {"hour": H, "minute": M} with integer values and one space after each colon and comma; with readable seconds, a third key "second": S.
{"hour": 10, "minute": 45}
